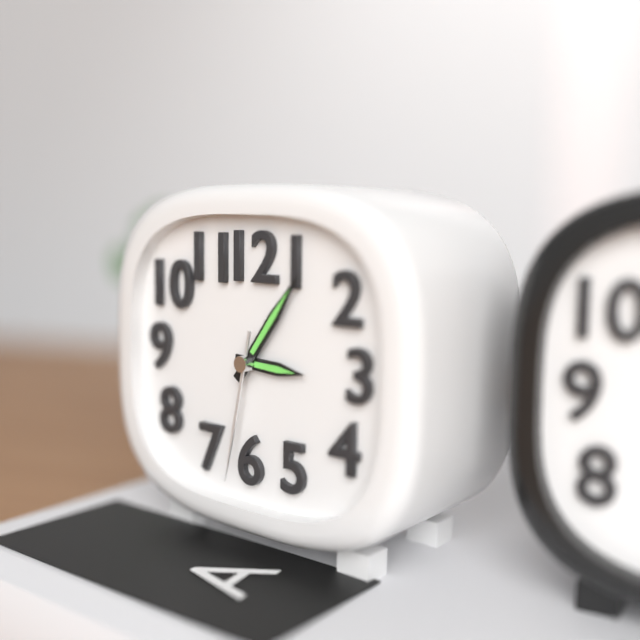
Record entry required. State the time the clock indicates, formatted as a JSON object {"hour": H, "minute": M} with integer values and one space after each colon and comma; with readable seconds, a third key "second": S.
{"hour": 3, "minute": 6, "second": 32}
